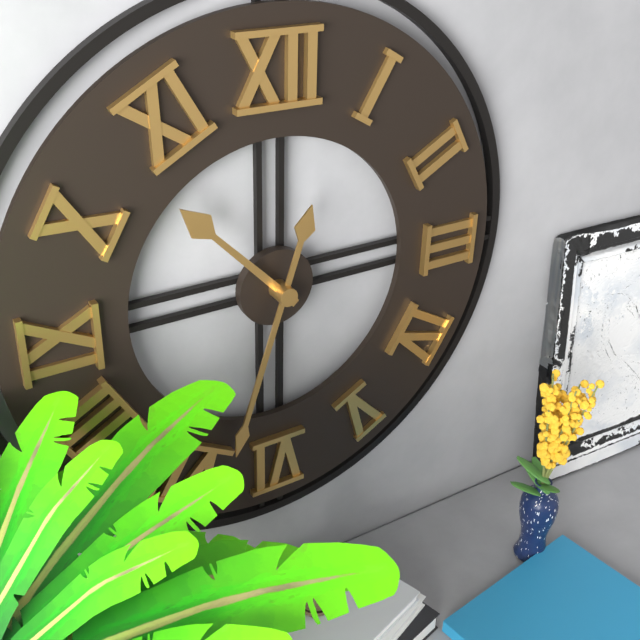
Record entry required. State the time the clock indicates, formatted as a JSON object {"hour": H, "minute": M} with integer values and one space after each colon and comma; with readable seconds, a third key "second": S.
{"hour": 10, "minute": 33}
